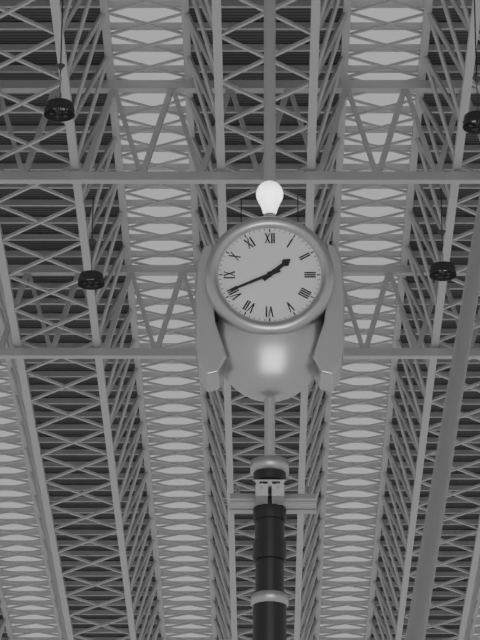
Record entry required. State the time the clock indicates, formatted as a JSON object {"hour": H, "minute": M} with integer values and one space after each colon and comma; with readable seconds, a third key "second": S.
{"hour": 1, "minute": 41}
